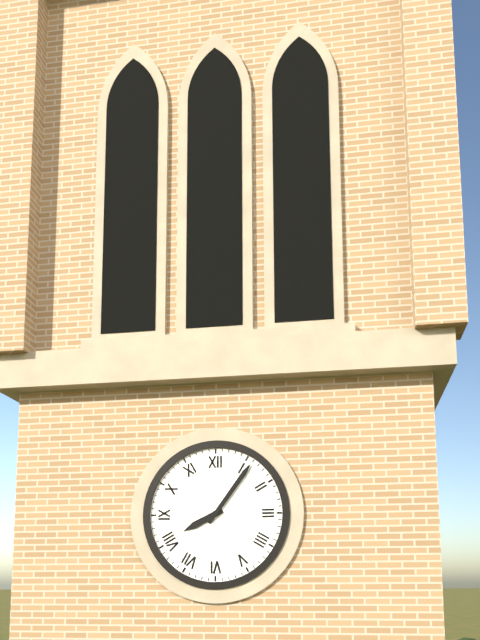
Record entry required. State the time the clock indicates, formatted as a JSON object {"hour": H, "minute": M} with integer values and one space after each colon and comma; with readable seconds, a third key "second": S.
{"hour": 8, "minute": 6}
